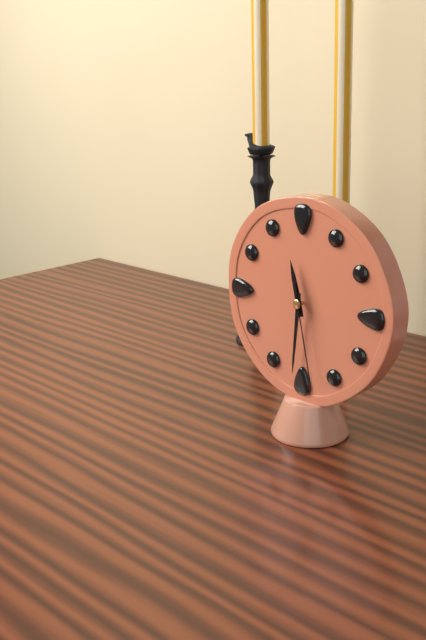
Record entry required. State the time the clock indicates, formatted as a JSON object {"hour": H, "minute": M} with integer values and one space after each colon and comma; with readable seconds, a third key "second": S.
{"hour": 11, "minute": 31, "second": 28}
